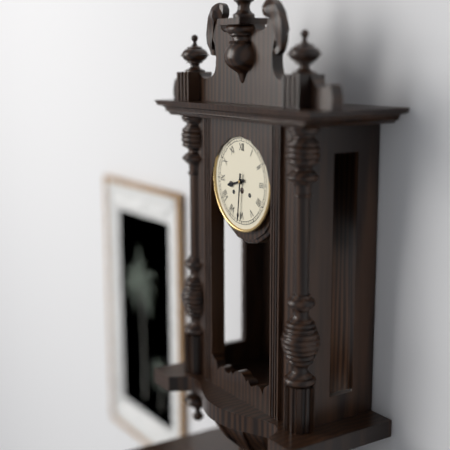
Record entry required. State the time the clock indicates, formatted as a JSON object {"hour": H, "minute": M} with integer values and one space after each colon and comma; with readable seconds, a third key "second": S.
{"hour": 8, "minute": 31}
